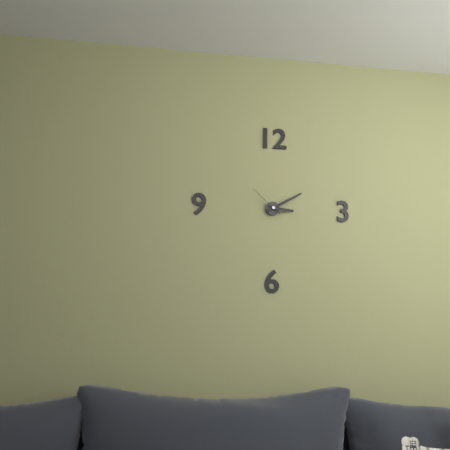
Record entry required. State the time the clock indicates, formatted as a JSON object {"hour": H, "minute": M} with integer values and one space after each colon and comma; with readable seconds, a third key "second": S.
{"hour": 3, "minute": 10}
